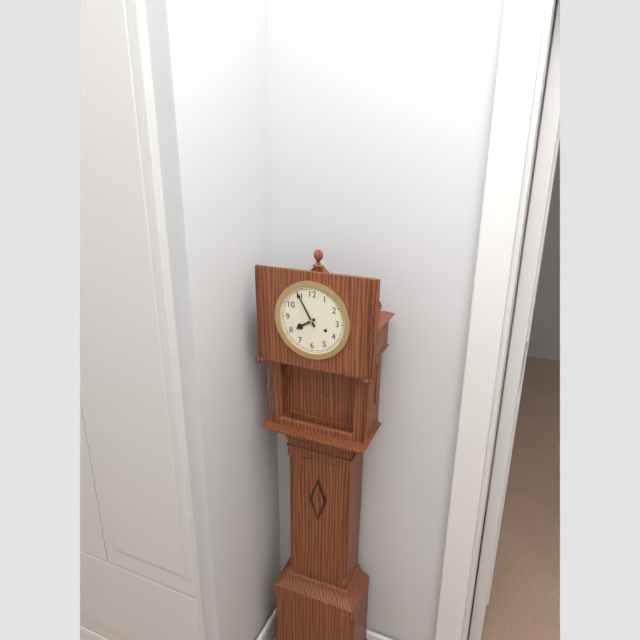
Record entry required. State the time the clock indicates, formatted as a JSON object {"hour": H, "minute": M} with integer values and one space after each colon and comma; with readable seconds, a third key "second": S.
{"hour": 7, "minute": 55}
